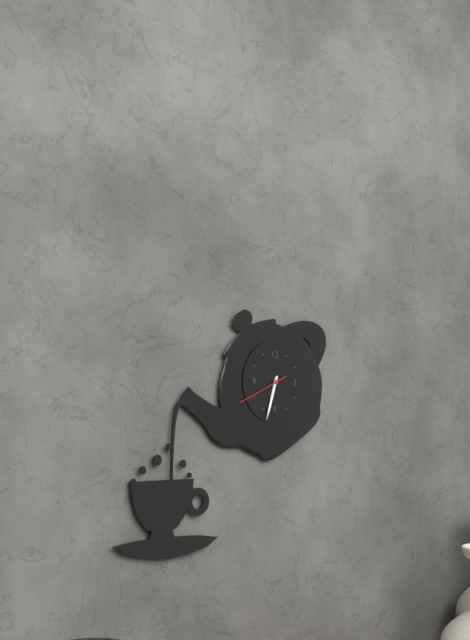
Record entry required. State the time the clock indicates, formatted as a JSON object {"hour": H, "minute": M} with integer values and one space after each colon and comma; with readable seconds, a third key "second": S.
{"hour": 6, "minute": 33, "second": 41}
